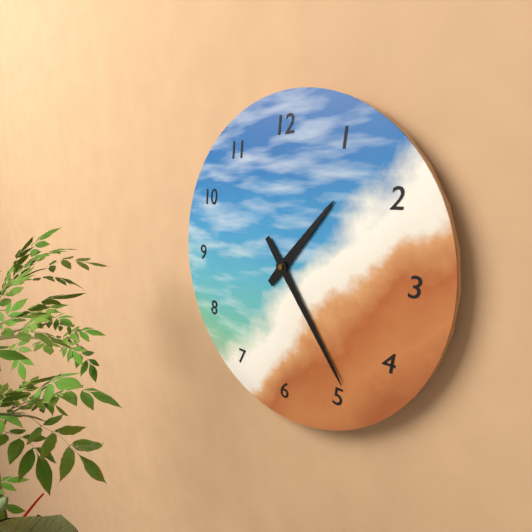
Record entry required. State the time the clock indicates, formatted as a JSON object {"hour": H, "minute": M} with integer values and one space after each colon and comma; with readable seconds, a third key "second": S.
{"hour": 1, "minute": 24}
